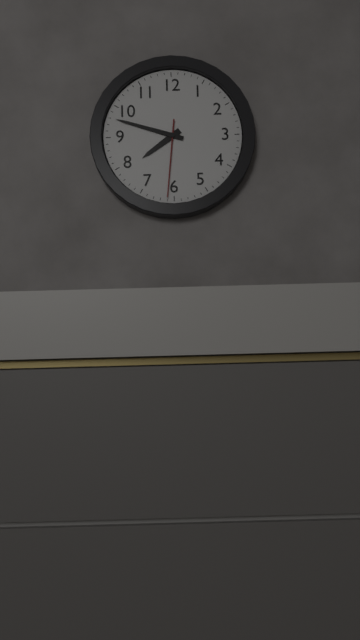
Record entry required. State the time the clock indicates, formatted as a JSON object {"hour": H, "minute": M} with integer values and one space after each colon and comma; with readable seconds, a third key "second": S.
{"hour": 7, "minute": 48, "second": 31}
